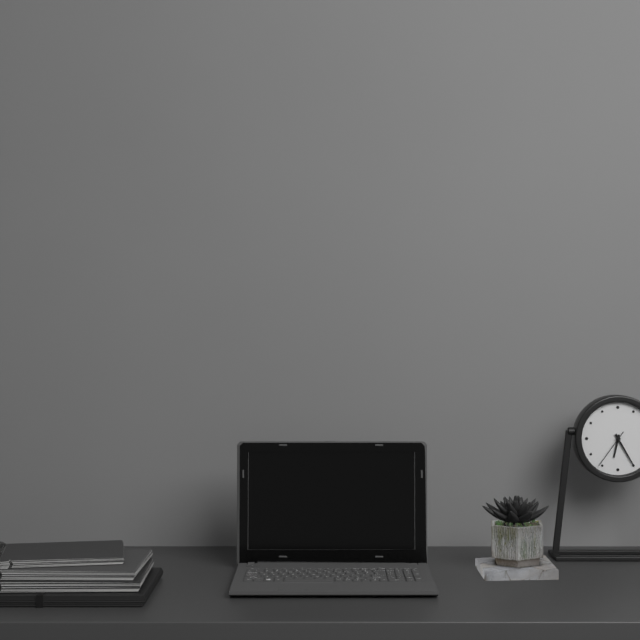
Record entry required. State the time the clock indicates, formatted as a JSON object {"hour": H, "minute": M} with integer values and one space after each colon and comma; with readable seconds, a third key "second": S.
{"hour": 6, "minute": 25}
